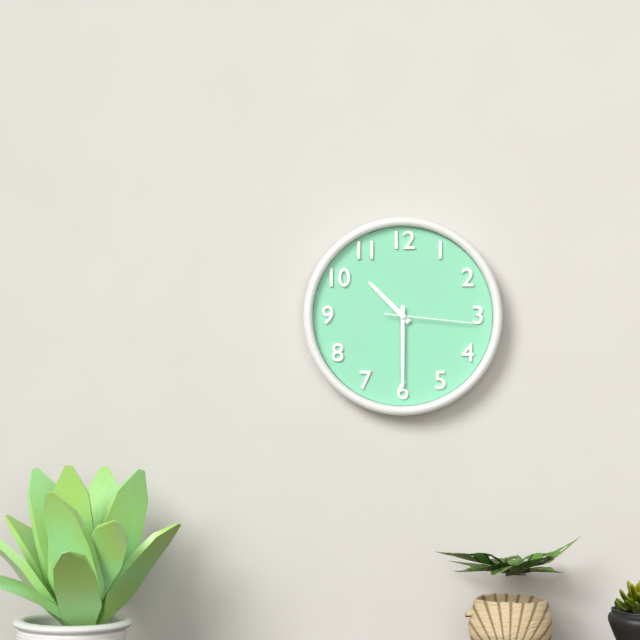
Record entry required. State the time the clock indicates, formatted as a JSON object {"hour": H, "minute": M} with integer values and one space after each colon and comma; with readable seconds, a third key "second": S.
{"hour": 10, "minute": 30, "second": 16}
